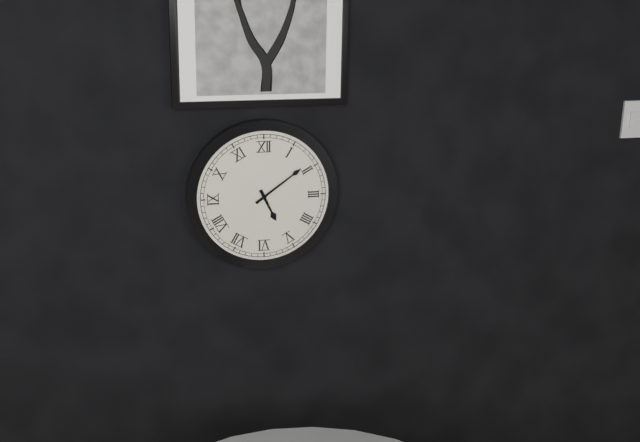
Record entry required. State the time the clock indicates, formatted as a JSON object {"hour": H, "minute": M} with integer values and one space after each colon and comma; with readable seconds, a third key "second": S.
{"hour": 5, "minute": 9}
